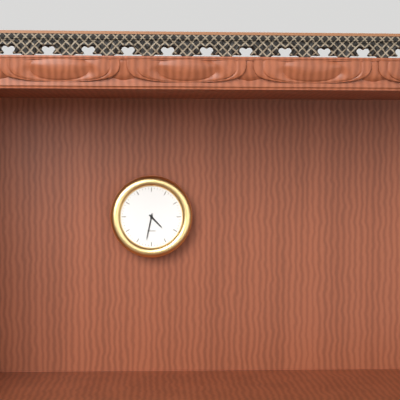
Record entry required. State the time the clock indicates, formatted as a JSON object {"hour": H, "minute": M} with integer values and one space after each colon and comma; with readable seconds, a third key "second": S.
{"hour": 4, "minute": 32}
